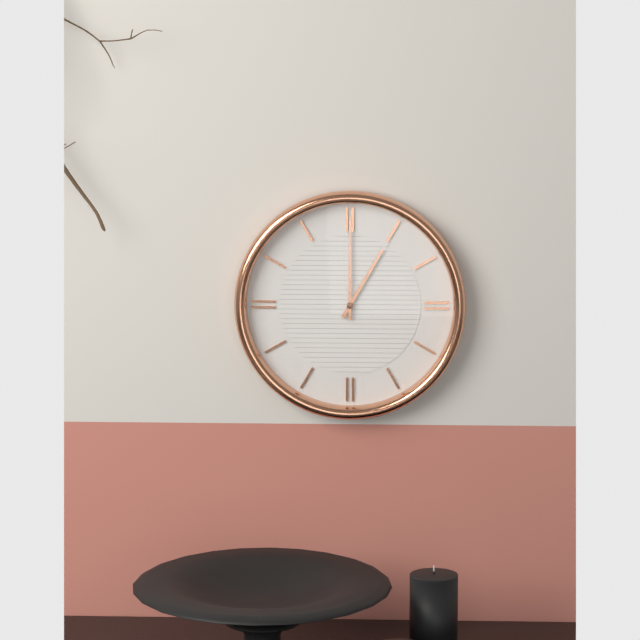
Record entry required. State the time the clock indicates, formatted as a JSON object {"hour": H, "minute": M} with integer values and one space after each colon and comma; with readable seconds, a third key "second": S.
{"hour": 1, "minute": 0}
